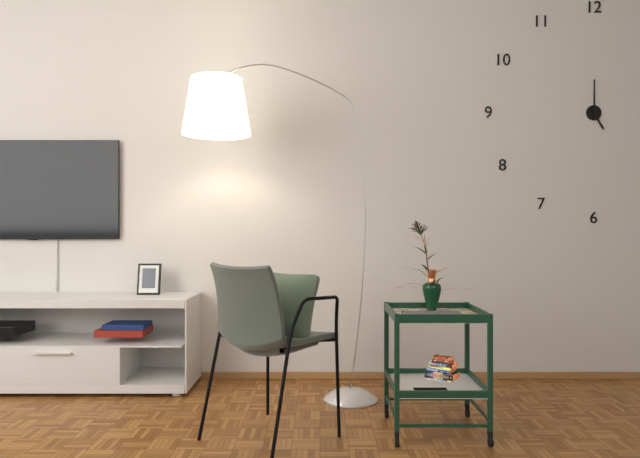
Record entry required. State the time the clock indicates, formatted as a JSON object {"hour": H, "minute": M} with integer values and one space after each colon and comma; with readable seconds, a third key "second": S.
{"hour": 5, "minute": 0}
